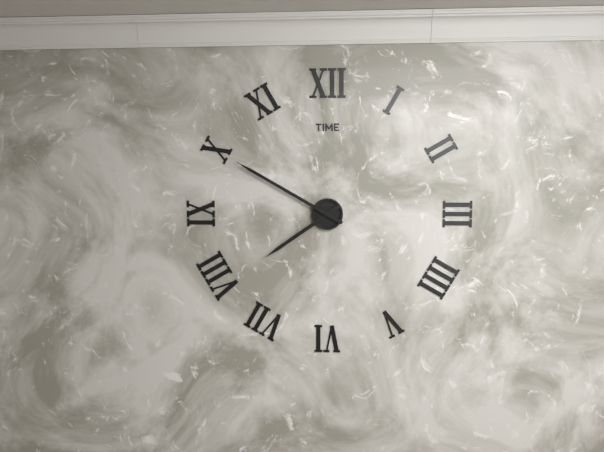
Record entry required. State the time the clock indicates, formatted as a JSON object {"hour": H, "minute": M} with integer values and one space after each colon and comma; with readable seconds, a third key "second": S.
{"hour": 7, "minute": 50}
